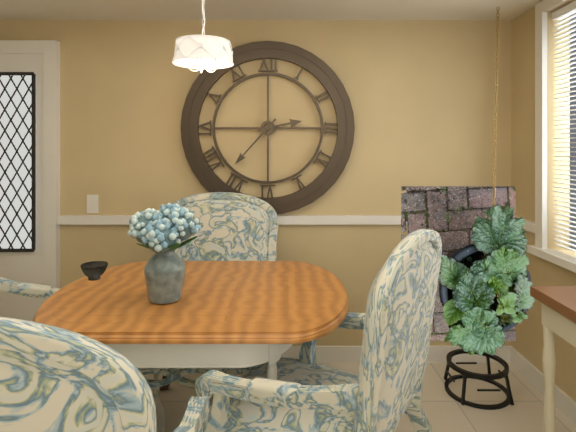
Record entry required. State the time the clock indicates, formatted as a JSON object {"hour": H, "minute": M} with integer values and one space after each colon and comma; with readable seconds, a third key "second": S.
{"hour": 2, "minute": 37}
